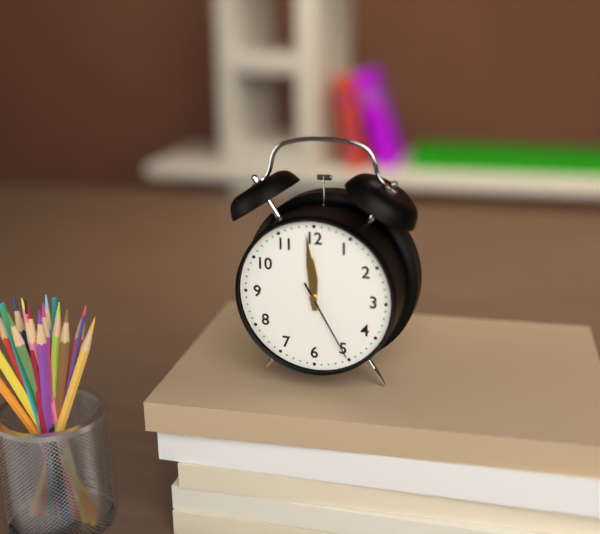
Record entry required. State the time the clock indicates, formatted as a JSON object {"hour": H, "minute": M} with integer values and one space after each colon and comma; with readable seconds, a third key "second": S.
{"hour": 11, "minute": 59, "second": 25}
